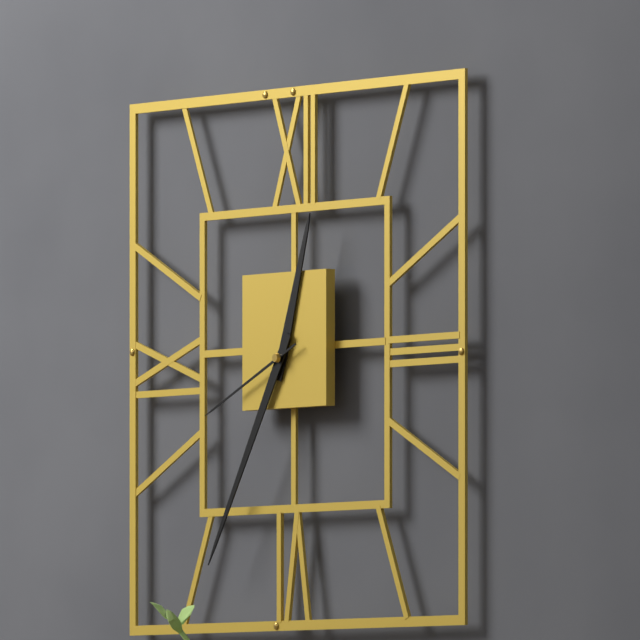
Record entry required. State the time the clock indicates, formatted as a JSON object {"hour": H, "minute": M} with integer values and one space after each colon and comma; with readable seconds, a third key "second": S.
{"hour": 12, "minute": 35, "second": 41}
